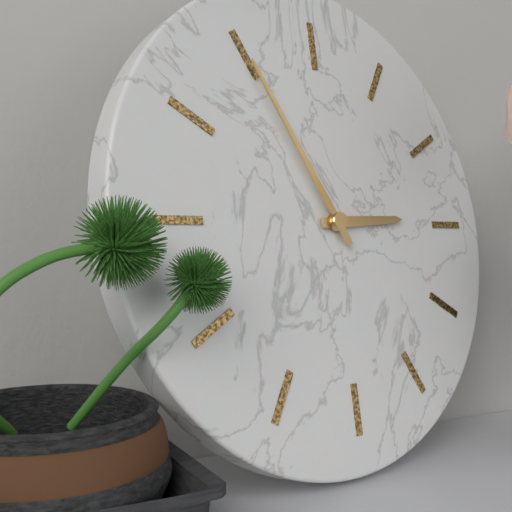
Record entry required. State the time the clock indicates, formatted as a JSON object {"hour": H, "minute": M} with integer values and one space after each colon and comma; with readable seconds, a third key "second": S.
{"hour": 2, "minute": 55}
